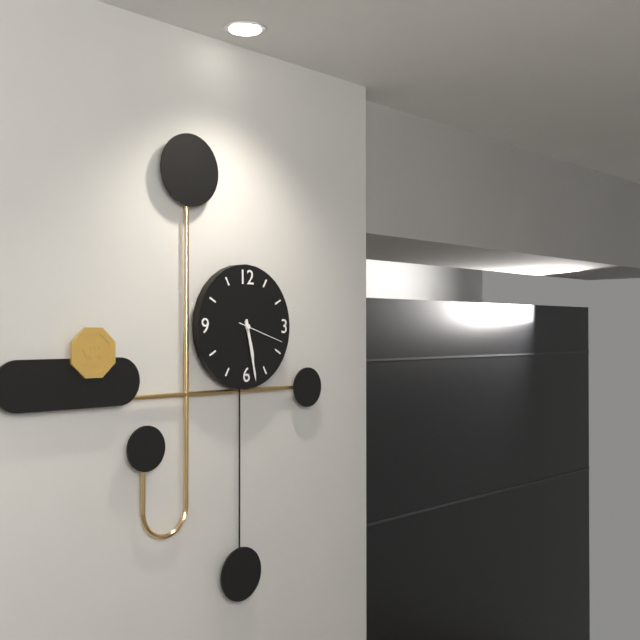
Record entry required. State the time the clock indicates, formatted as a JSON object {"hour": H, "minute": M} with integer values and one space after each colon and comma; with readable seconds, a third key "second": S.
{"hour": 5, "minute": 28}
